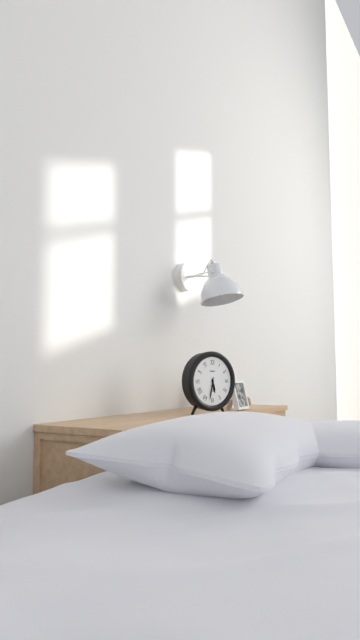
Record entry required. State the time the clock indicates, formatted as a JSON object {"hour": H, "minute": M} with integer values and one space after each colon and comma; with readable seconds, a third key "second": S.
{"hour": 5, "minute": 32}
